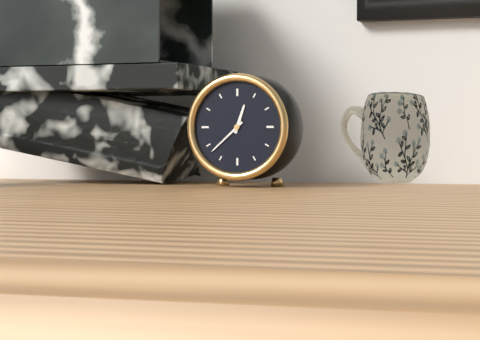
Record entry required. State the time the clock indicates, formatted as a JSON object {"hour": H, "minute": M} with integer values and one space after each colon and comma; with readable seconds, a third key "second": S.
{"hour": 12, "minute": 38}
